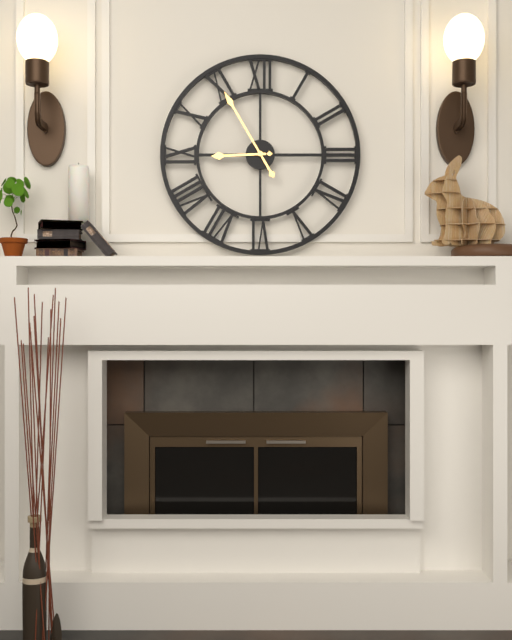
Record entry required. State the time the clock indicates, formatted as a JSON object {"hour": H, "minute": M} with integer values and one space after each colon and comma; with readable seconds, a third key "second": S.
{"hour": 8, "minute": 55}
